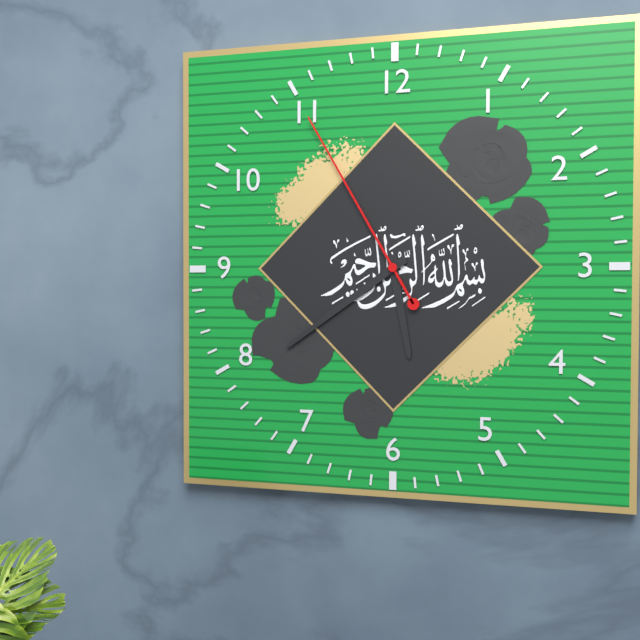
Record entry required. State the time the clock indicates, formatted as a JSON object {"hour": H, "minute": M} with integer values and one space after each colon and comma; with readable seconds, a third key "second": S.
{"hour": 5, "minute": 39, "second": 55}
